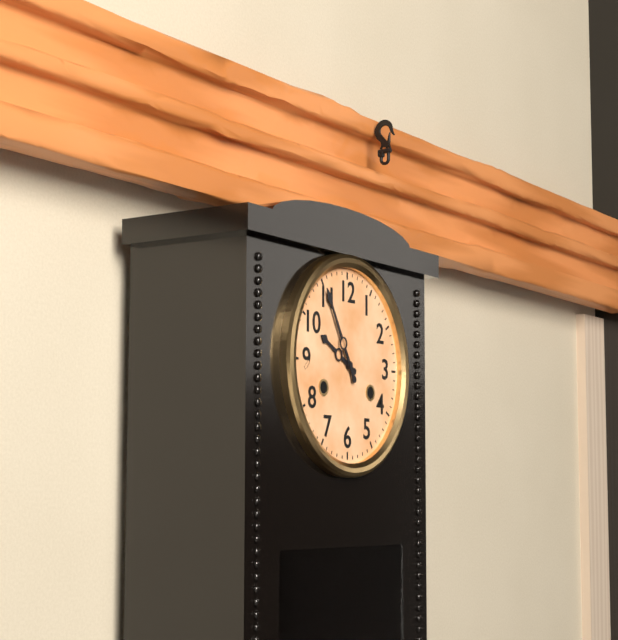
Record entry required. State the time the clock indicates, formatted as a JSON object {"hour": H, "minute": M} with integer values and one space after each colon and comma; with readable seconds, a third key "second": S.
{"hour": 9, "minute": 55}
